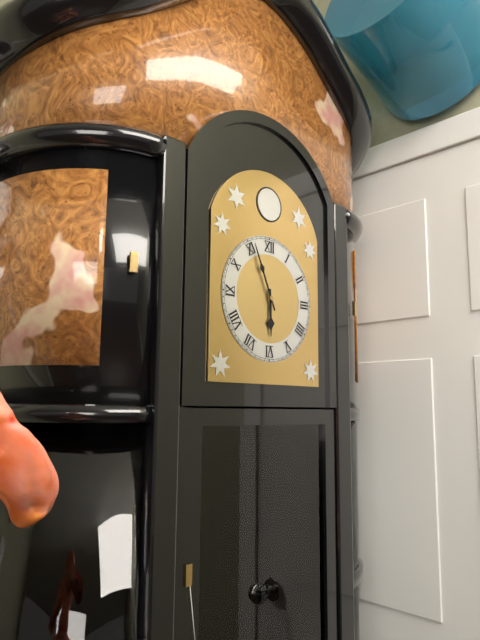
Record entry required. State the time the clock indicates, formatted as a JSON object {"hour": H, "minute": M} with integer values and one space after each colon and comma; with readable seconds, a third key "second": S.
{"hour": 5, "minute": 56}
